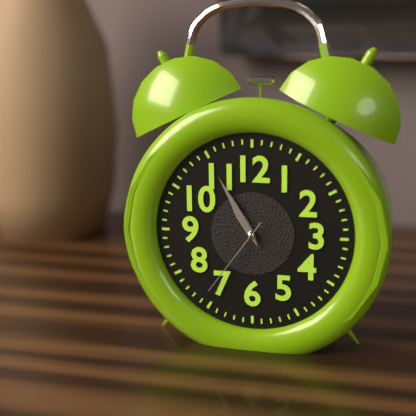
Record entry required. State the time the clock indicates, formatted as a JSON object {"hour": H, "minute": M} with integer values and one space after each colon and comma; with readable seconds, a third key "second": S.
{"hour": 10, "minute": 55, "second": 36}
